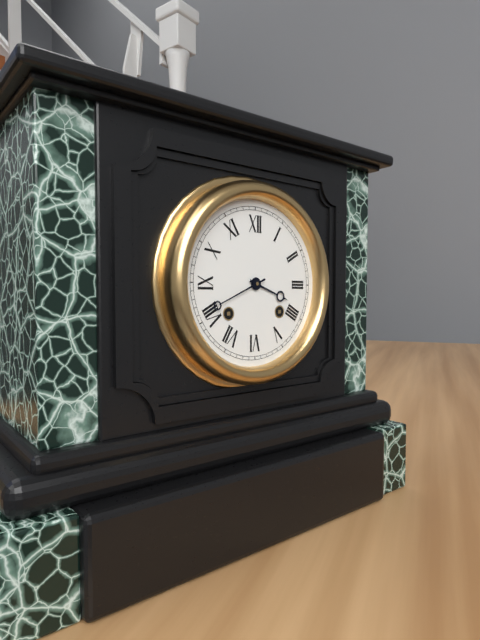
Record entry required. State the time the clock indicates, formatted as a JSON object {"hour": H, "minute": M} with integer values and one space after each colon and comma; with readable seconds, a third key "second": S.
{"hour": 3, "minute": 41}
